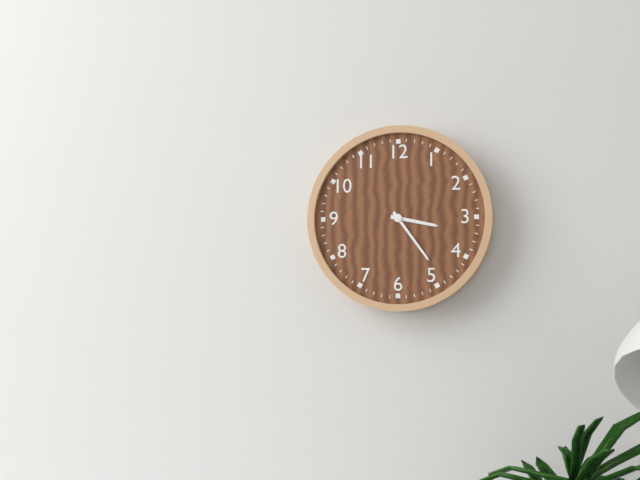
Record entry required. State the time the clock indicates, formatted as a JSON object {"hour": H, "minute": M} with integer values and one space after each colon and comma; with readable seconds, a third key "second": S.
{"hour": 3, "minute": 24}
